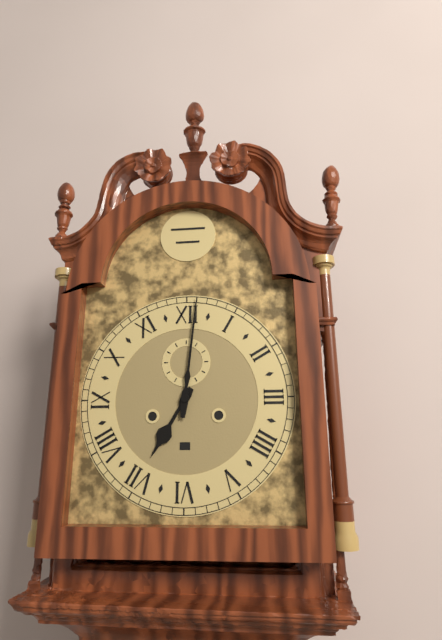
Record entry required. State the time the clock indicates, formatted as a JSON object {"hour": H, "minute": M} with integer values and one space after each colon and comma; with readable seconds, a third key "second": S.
{"hour": 7, "minute": 1}
